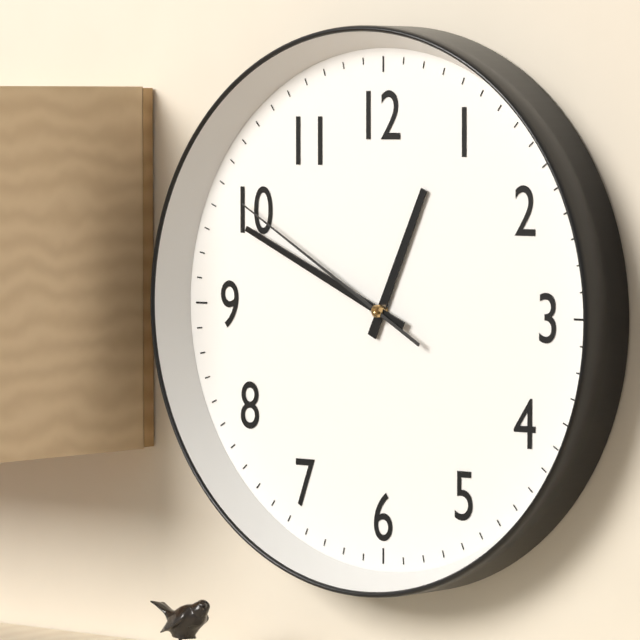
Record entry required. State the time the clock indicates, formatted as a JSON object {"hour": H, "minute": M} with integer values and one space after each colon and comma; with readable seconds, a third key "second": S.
{"hour": 12, "minute": 49, "second": 50}
